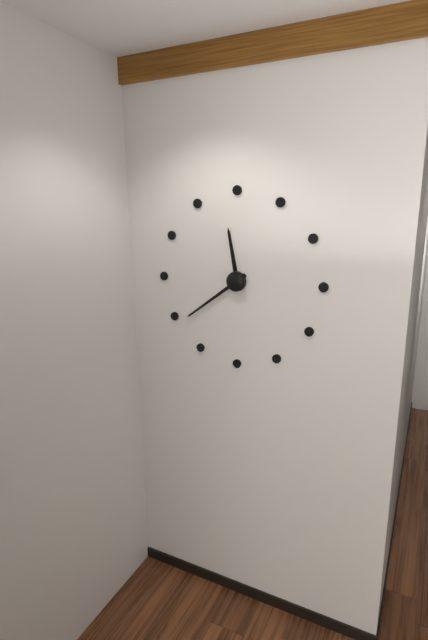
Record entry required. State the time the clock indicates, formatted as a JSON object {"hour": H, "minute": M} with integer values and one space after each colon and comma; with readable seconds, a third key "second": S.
{"hour": 11, "minute": 39}
